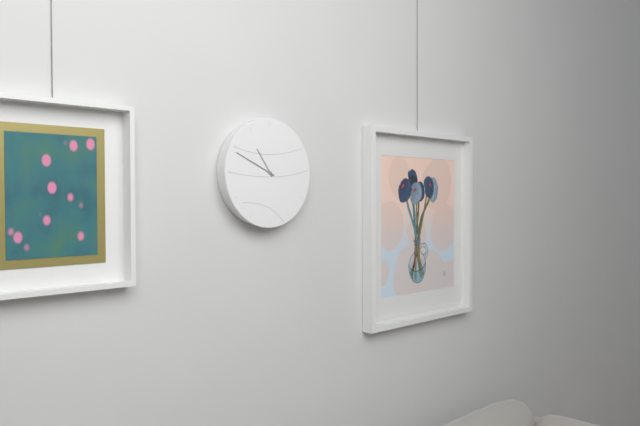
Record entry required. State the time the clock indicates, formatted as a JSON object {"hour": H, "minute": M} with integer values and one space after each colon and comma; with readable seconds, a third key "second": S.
{"hour": 10, "minute": 49}
